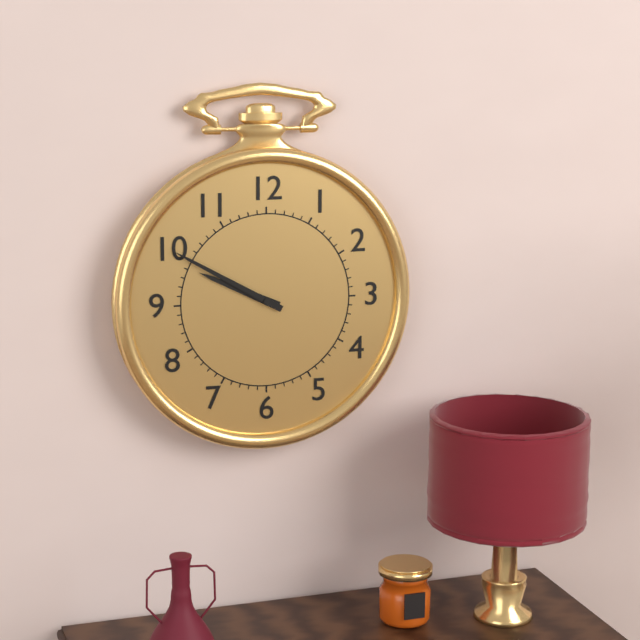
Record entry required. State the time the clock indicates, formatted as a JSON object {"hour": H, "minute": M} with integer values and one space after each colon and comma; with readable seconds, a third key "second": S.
{"hour": 9, "minute": 50}
